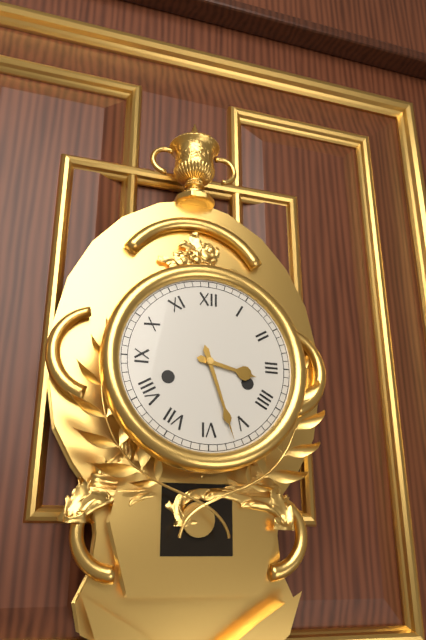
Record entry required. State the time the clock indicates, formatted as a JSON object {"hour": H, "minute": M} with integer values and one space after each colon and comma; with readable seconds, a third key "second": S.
{"hour": 3, "minute": 27}
